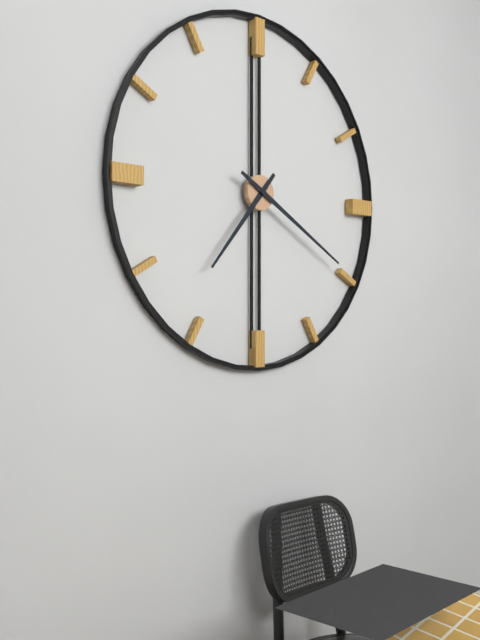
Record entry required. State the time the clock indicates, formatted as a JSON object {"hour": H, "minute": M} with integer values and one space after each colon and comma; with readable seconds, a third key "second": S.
{"hour": 7, "minute": 20}
